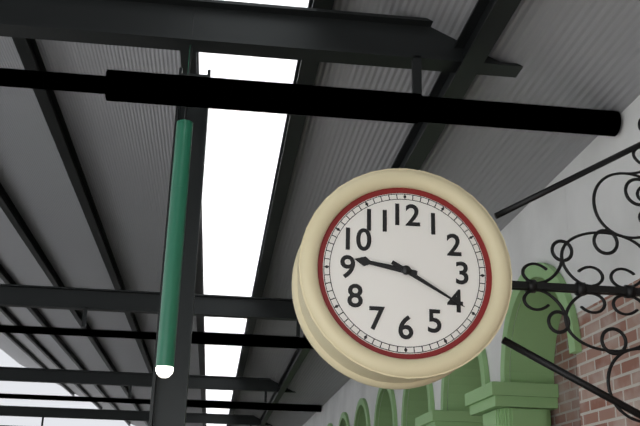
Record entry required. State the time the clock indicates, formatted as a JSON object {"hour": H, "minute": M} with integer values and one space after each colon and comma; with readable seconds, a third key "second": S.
{"hour": 9, "minute": 20}
